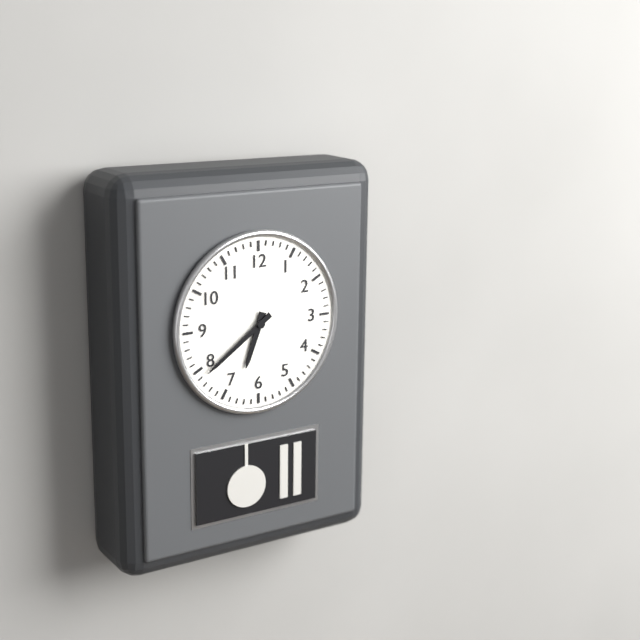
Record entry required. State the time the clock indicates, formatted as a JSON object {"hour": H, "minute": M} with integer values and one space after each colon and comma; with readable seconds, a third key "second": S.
{"hour": 6, "minute": 39}
